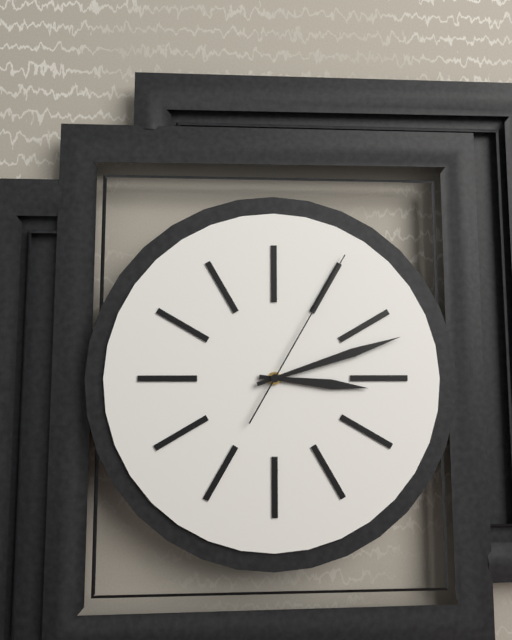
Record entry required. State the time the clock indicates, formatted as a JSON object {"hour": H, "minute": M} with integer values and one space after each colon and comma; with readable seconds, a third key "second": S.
{"hour": 3, "minute": 12, "second": 5}
